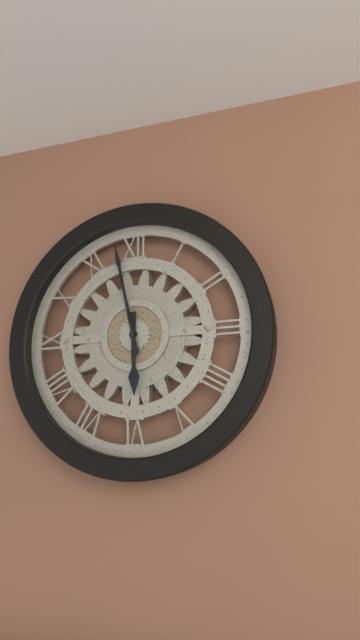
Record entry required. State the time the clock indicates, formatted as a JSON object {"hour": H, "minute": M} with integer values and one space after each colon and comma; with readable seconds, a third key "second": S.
{"hour": 5, "minute": 58}
